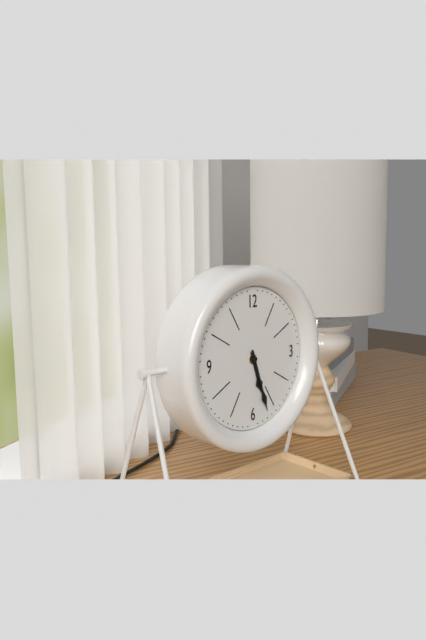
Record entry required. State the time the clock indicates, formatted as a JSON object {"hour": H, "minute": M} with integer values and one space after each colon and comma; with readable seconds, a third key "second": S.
{"hour": 5, "minute": 27}
